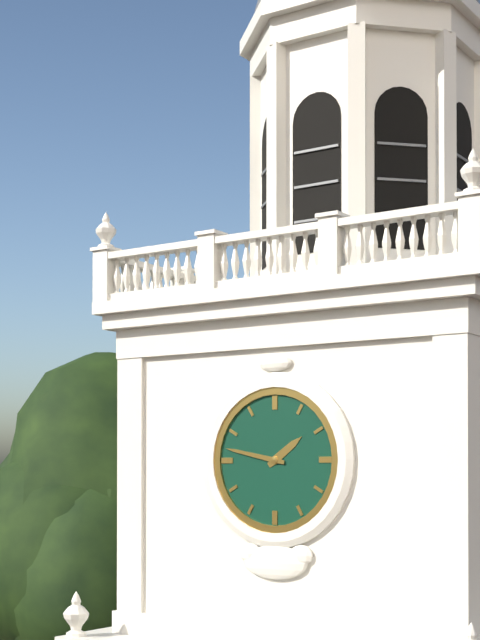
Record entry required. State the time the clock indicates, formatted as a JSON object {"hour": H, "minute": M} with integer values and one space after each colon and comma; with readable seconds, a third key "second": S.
{"hour": 1, "minute": 47}
